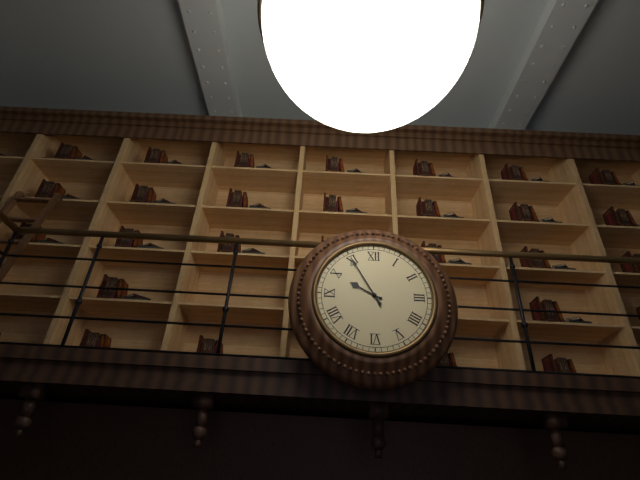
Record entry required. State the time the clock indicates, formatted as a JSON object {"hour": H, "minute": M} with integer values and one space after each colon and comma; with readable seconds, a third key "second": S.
{"hour": 9, "minute": 55}
